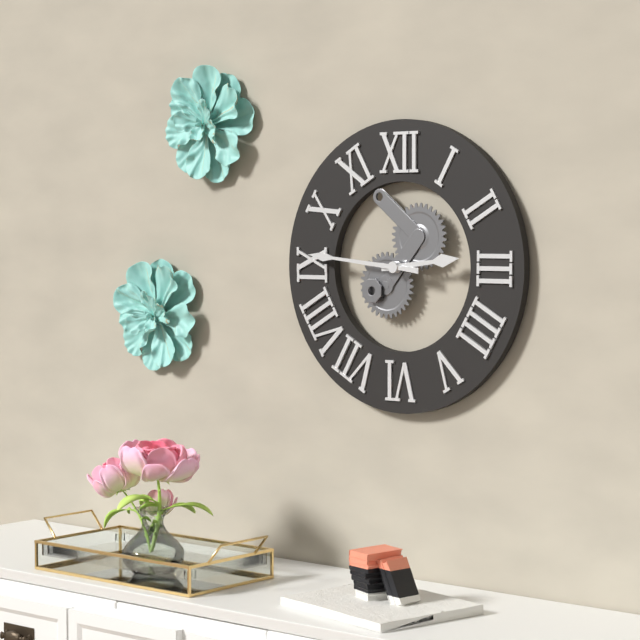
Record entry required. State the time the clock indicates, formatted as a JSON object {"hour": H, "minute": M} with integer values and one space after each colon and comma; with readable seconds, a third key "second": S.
{"hour": 2, "minute": 46}
